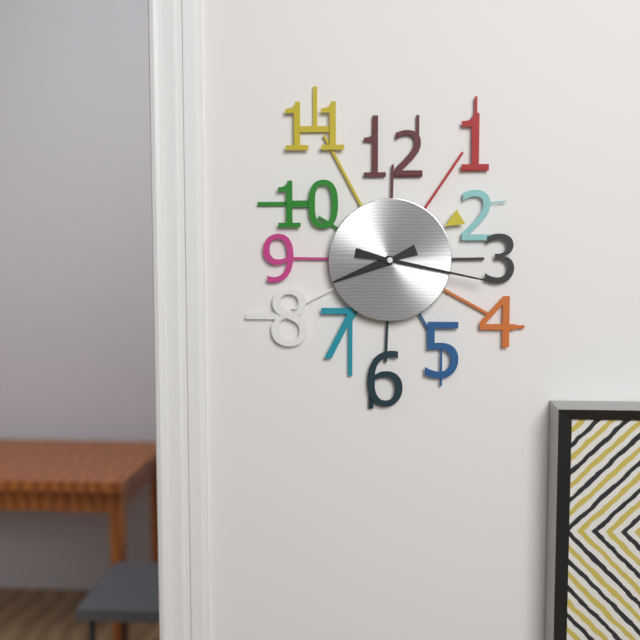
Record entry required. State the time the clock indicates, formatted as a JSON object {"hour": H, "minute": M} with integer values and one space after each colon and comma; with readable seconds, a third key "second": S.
{"hour": 8, "minute": 17}
